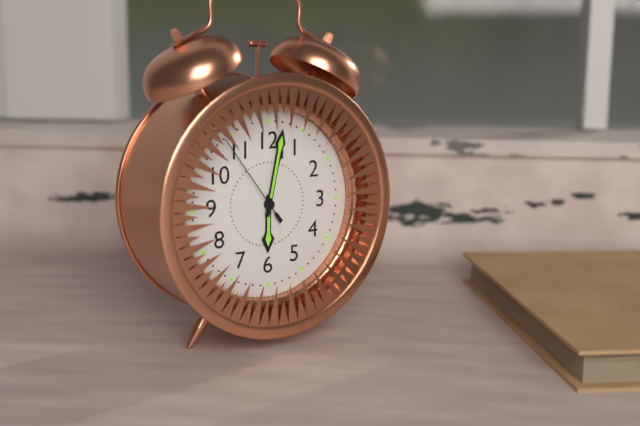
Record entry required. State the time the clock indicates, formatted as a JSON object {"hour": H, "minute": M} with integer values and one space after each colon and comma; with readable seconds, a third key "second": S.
{"hour": 6, "minute": 2, "second": 54}
